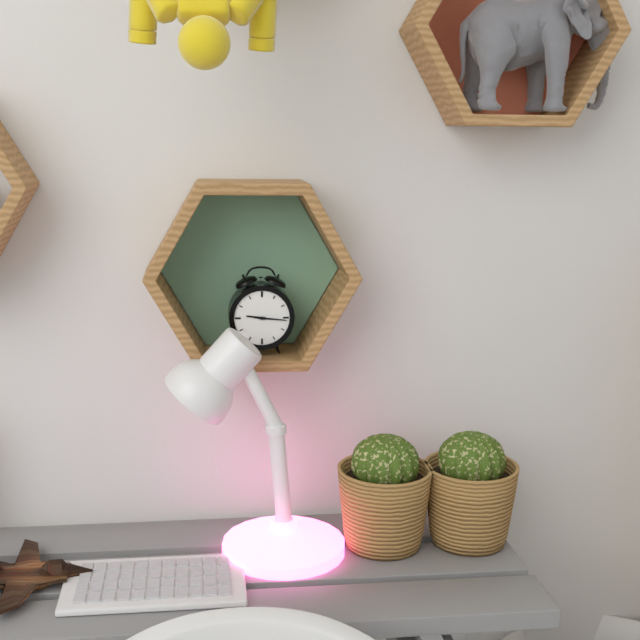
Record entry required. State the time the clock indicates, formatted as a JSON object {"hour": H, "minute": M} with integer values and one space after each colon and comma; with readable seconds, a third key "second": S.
{"hour": 9, "minute": 16}
